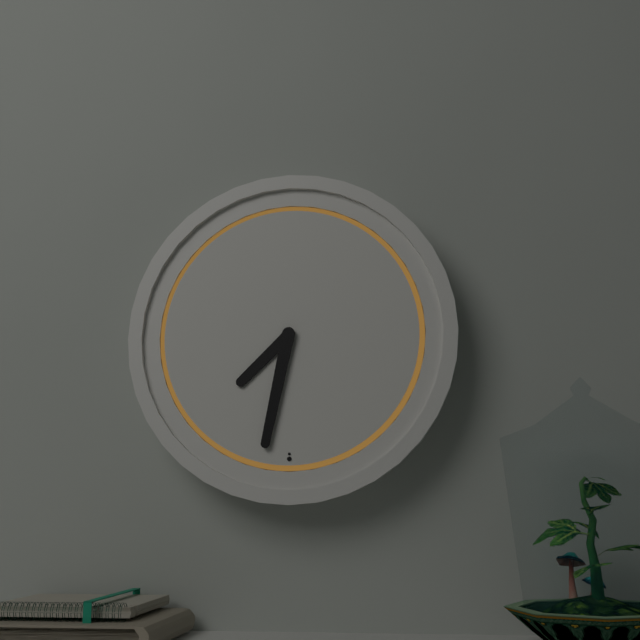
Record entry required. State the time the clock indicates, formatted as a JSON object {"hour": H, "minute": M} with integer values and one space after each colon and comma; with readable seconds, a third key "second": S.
{"hour": 7, "minute": 32}
